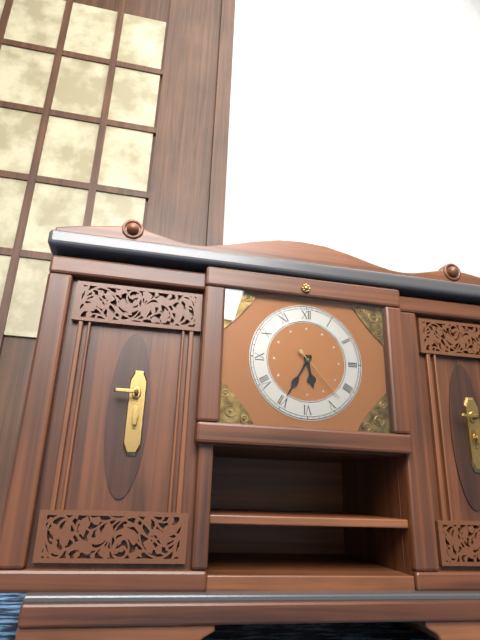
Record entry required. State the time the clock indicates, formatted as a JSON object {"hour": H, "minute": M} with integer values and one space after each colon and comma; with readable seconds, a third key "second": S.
{"hour": 5, "minute": 35, "second": 23}
